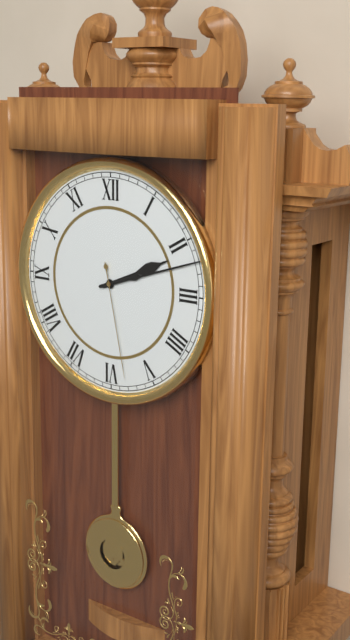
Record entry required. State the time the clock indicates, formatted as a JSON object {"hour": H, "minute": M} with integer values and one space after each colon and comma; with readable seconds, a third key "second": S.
{"hour": 2, "minute": 12, "second": 28}
